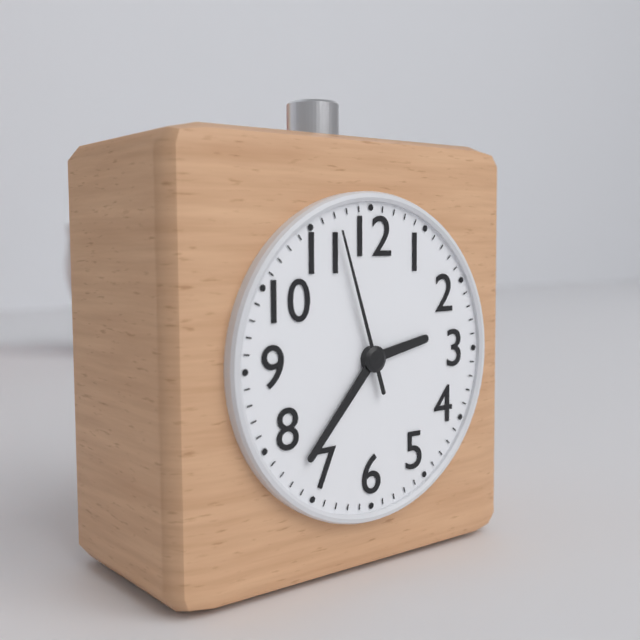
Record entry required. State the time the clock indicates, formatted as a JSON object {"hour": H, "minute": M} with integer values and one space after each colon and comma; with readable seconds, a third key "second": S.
{"hour": 2, "minute": 37, "second": 57}
